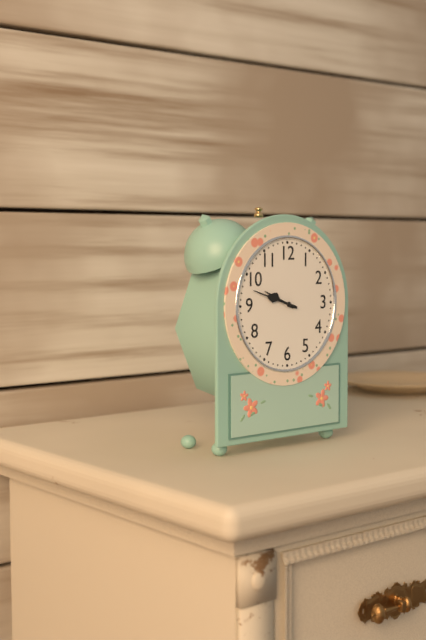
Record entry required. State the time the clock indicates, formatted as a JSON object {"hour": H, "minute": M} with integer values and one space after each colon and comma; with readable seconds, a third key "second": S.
{"hour": 9, "minute": 48}
